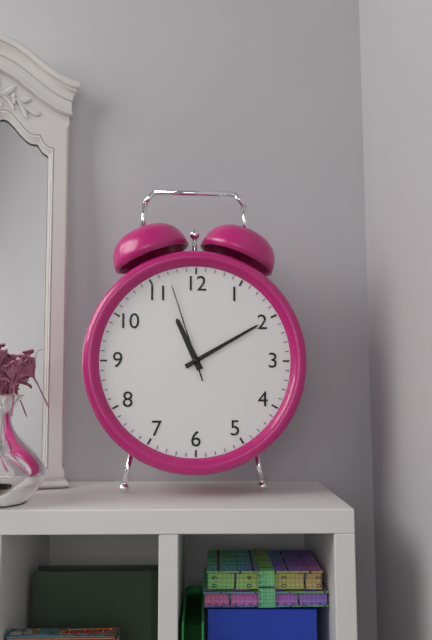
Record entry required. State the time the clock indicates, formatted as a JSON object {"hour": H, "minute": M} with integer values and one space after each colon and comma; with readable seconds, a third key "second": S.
{"hour": 11, "minute": 10, "second": 57}
